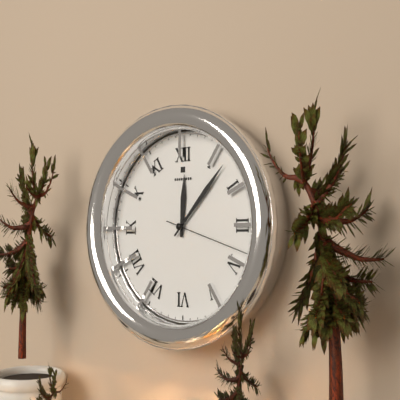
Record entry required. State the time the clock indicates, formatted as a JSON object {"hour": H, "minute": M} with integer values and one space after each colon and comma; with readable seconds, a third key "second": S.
{"hour": 12, "minute": 7, "second": 18}
